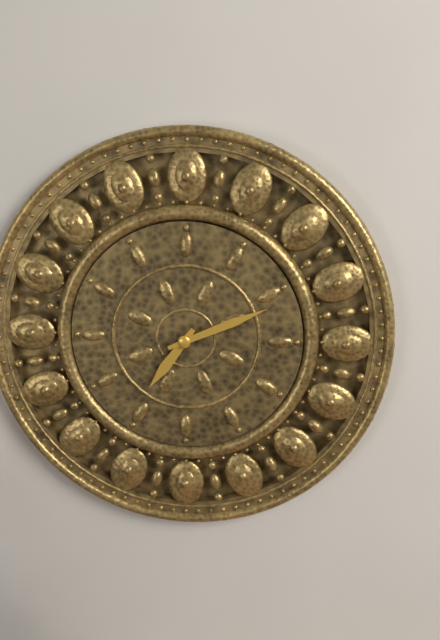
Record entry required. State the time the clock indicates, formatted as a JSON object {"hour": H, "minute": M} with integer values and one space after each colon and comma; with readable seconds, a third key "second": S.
{"hour": 7, "minute": 11}
